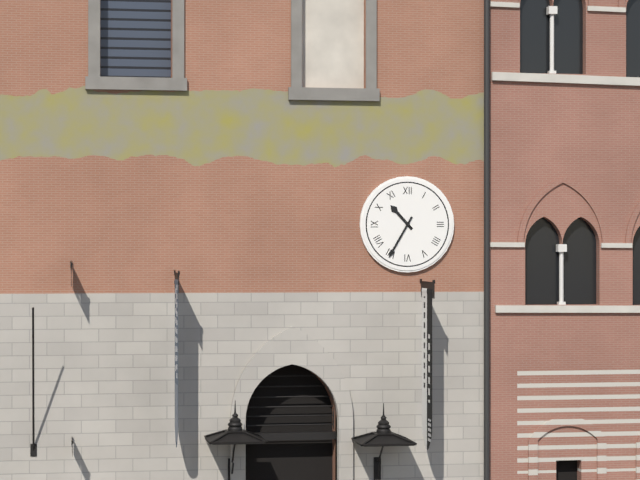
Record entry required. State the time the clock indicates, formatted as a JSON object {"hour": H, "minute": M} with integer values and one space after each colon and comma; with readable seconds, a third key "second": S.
{"hour": 10, "minute": 35}
